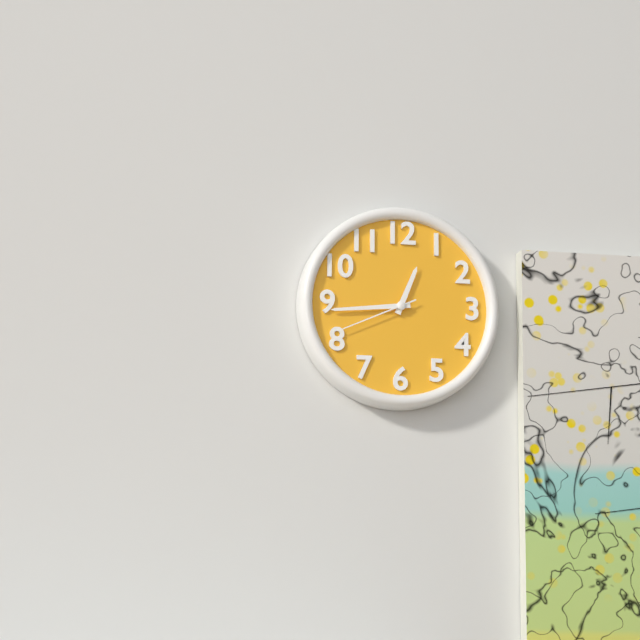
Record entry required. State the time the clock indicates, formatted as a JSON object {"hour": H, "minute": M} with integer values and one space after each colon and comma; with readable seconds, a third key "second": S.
{"hour": 12, "minute": 44, "second": 41}
